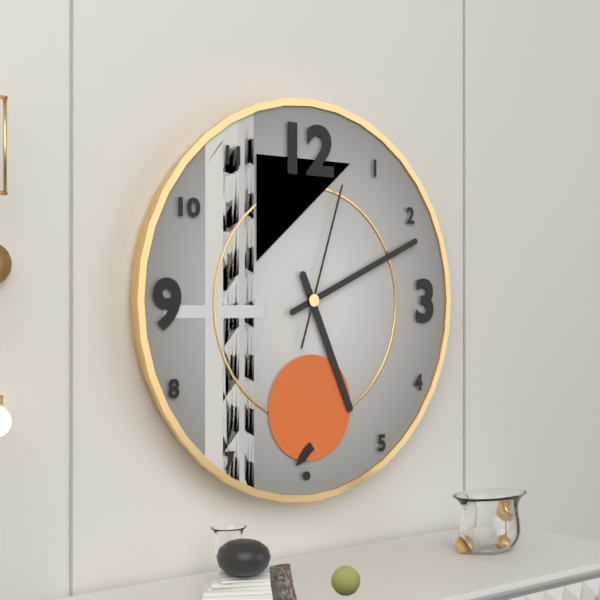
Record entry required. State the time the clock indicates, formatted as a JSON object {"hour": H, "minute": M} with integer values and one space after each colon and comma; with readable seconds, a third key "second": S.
{"hour": 5, "minute": 11, "second": 3}
